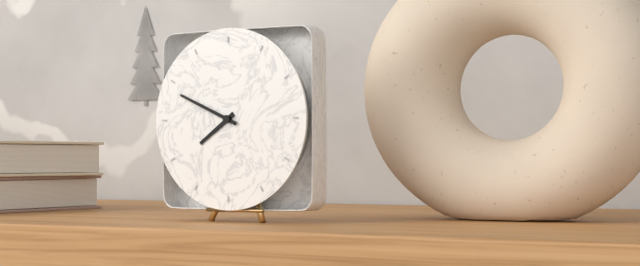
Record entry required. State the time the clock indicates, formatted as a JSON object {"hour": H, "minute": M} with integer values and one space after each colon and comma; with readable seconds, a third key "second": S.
{"hour": 7, "minute": 49}
